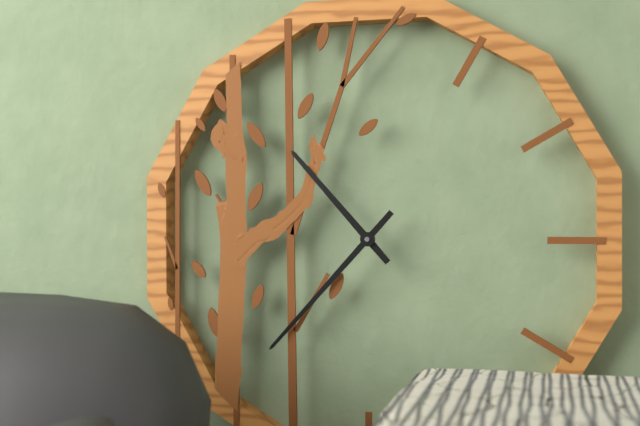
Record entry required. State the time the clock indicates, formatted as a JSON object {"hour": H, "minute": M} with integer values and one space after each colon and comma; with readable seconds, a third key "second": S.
{"hour": 10, "minute": 37}
